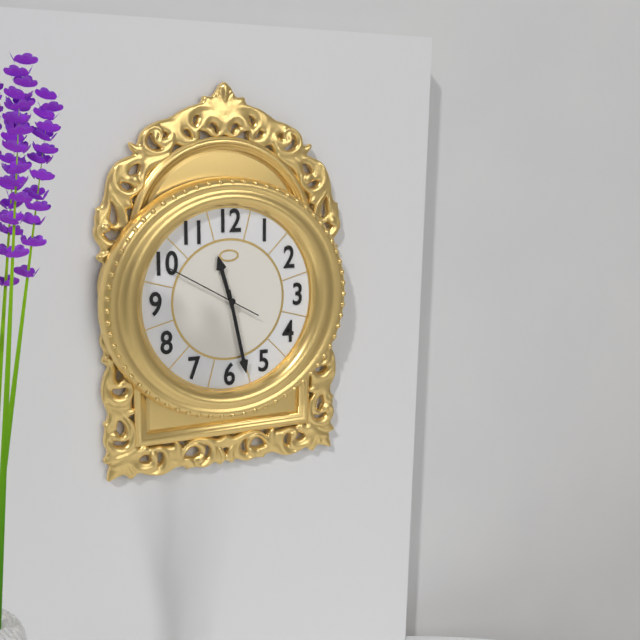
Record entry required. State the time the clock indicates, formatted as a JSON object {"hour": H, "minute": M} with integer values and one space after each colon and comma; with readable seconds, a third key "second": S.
{"hour": 11, "minute": 28, "second": 50}
